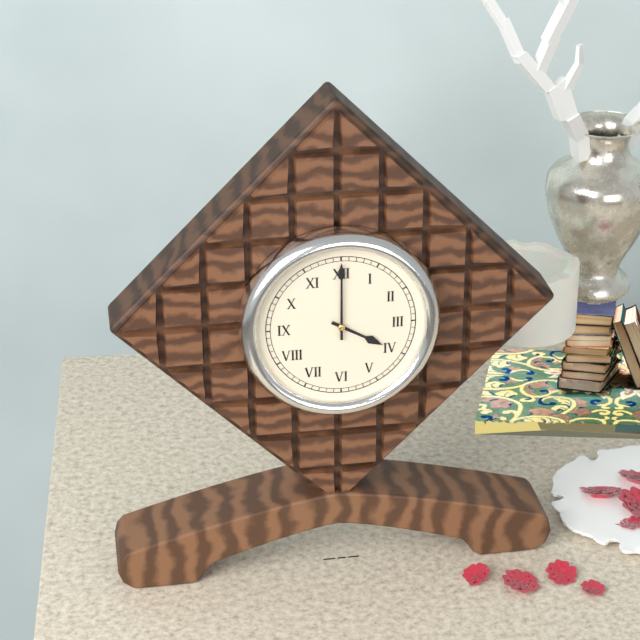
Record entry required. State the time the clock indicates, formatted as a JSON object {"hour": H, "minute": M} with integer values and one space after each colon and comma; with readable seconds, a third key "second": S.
{"hour": 4, "minute": 0}
